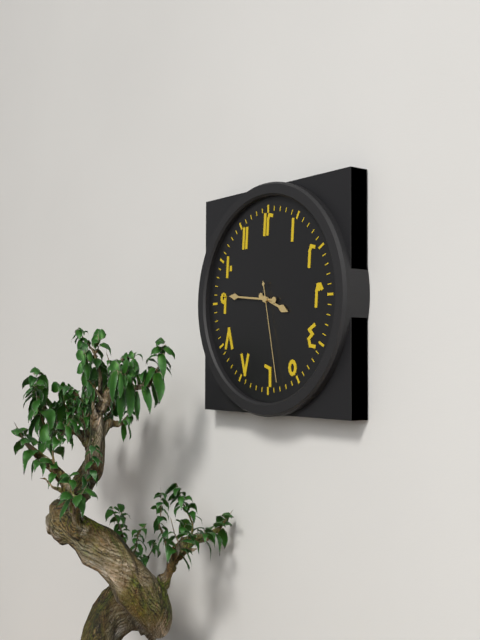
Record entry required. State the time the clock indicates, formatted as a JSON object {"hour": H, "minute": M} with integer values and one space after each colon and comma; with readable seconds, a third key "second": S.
{"hour": 3, "minute": 46, "second": 28}
